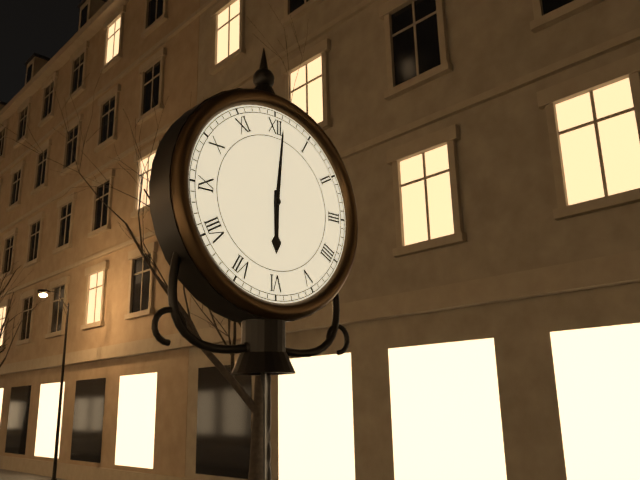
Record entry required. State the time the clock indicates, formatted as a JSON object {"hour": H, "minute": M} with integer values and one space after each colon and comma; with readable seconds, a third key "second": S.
{"hour": 6, "minute": 1}
